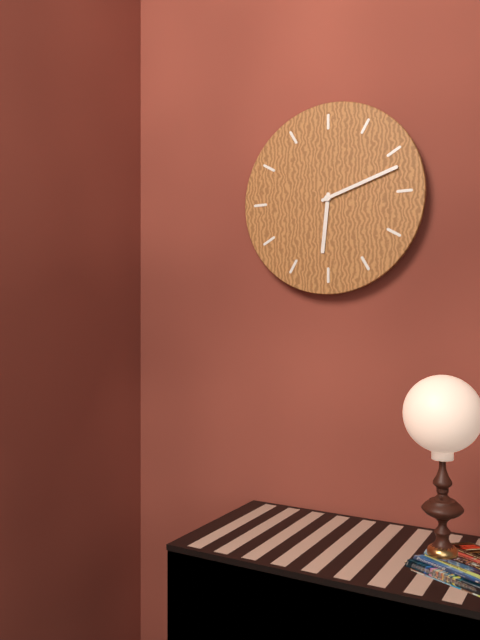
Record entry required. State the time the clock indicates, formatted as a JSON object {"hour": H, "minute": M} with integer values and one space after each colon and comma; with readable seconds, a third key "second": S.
{"hour": 6, "minute": 12}
